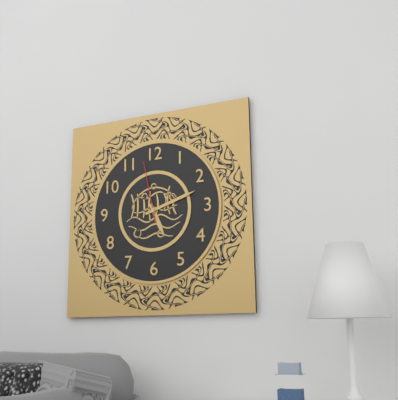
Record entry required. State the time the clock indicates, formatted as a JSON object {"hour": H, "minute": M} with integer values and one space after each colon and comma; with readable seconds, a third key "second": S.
{"hour": 5, "minute": 12, "second": 58}
